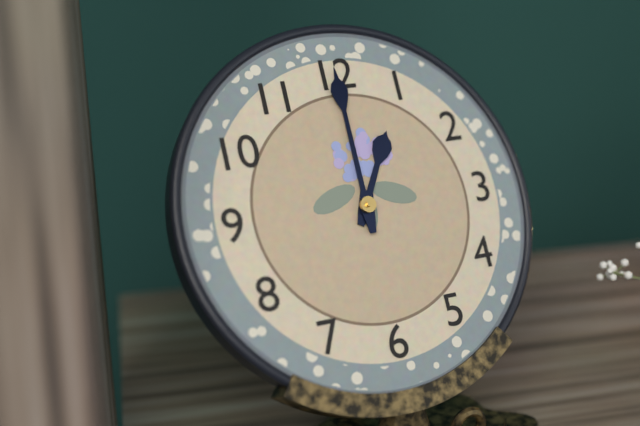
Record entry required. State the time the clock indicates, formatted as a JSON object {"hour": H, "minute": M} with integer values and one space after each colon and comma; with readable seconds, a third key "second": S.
{"hour": 1, "minute": 0}
